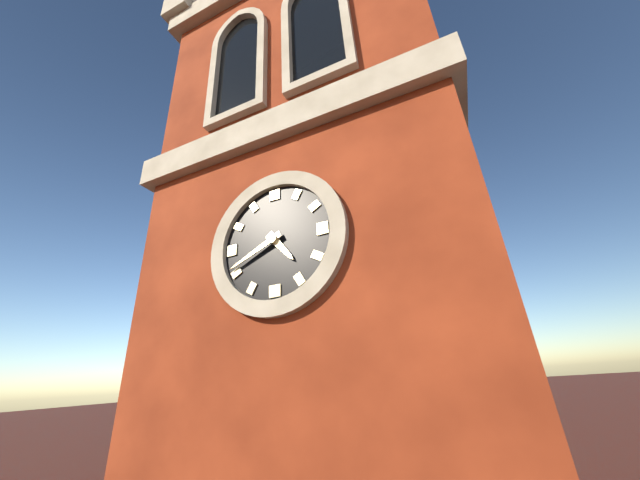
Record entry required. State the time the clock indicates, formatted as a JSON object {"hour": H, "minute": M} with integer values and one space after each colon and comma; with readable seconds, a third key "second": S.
{"hour": 4, "minute": 41}
